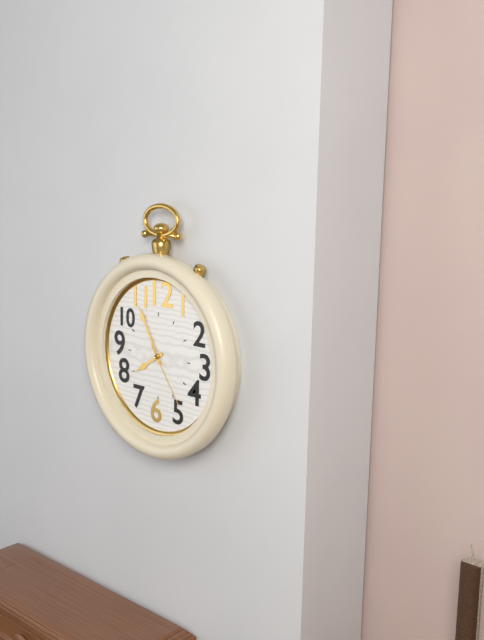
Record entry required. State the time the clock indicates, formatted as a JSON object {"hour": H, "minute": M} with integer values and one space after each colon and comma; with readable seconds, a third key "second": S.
{"hour": 7, "minute": 55, "second": 24}
